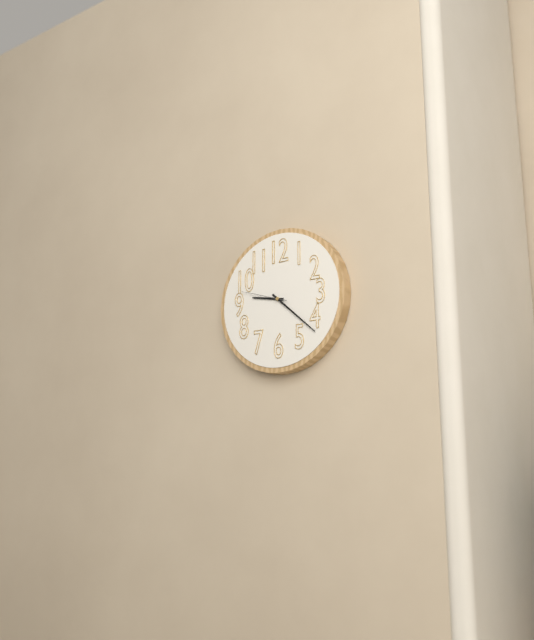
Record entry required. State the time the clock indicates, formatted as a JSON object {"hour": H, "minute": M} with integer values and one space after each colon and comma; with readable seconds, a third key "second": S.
{"hour": 9, "minute": 22}
